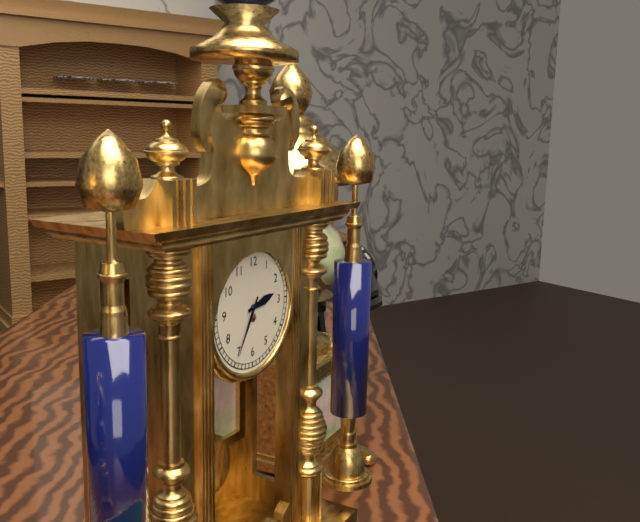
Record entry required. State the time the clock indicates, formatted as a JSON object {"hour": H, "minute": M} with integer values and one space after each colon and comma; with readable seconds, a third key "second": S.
{"hour": 2, "minute": 35}
